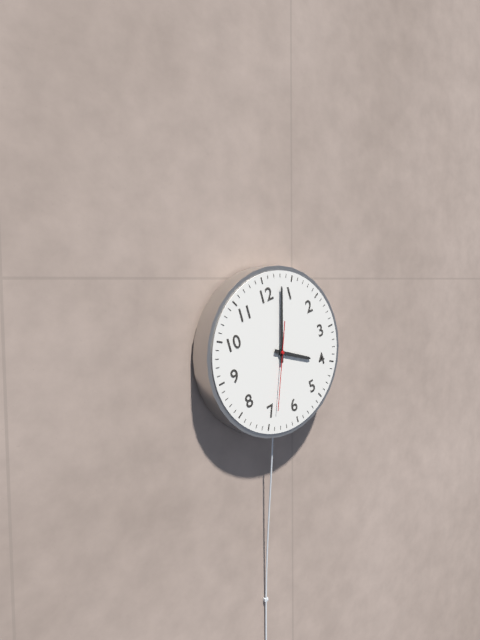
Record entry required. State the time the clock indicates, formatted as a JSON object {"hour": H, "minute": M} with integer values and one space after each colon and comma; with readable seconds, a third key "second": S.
{"hour": 4, "minute": 3, "second": 34}
